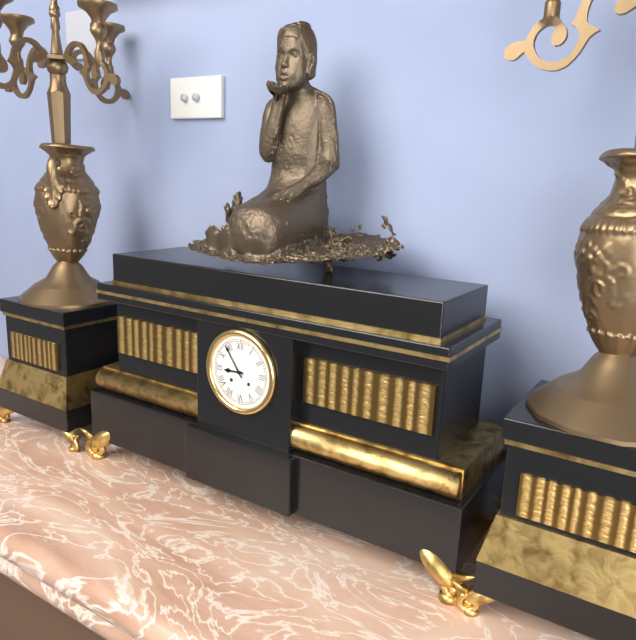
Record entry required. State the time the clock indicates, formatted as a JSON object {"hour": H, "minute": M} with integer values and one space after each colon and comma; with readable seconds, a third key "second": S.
{"hour": 8, "minute": 54}
